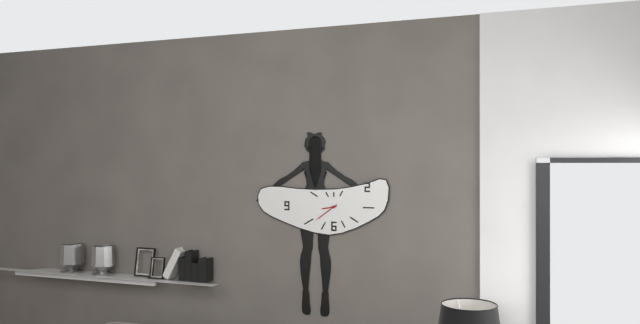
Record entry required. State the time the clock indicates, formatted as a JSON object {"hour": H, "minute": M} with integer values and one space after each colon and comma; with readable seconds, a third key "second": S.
{"hour": 8, "minute": 39}
